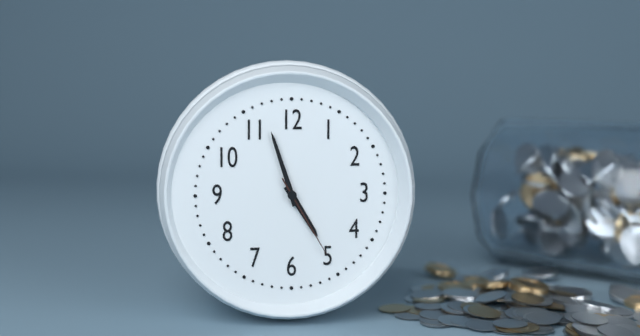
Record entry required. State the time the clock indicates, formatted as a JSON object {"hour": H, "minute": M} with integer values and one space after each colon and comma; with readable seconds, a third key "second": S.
{"hour": 4, "minute": 57, "second": 25}
